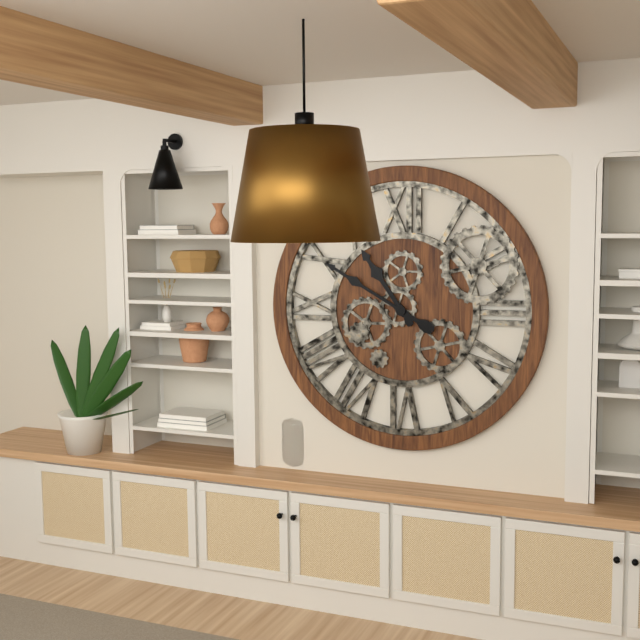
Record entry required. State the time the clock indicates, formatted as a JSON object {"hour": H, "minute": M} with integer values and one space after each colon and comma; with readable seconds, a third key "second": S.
{"hour": 10, "minute": 50}
